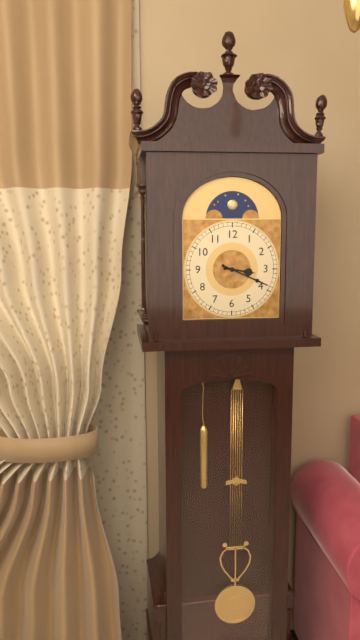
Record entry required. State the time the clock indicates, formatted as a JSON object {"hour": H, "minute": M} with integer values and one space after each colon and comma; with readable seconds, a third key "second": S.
{"hour": 3, "minute": 19}
